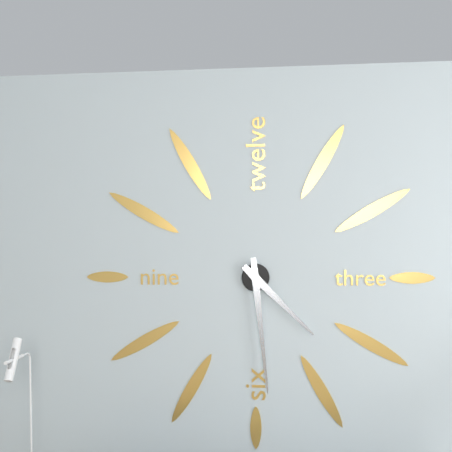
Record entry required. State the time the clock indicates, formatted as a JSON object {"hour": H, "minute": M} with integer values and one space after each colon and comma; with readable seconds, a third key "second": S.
{"hour": 4, "minute": 29}
